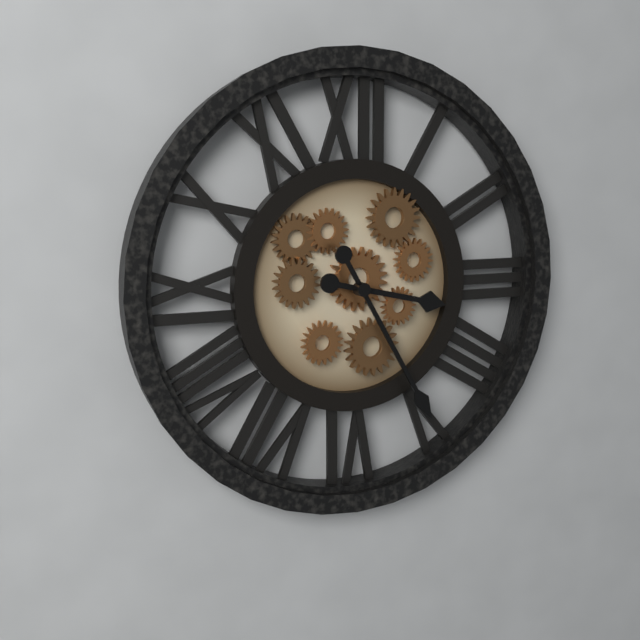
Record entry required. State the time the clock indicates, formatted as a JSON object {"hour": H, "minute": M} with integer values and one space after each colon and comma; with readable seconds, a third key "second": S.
{"hour": 3, "minute": 25}
